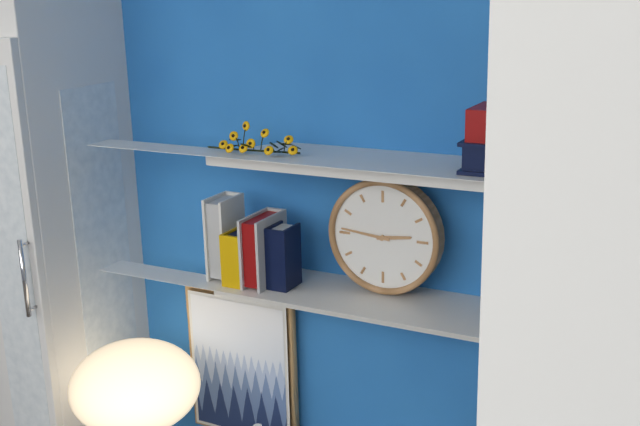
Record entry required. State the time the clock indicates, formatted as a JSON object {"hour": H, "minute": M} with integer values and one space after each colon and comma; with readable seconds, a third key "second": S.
{"hour": 2, "minute": 46}
